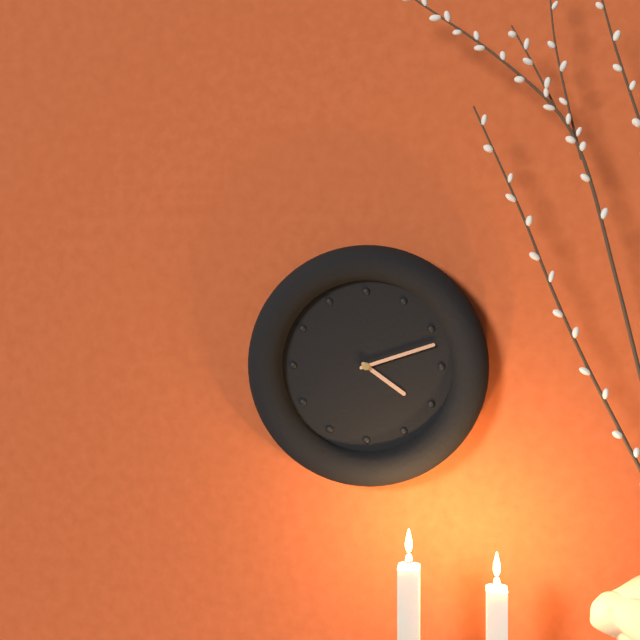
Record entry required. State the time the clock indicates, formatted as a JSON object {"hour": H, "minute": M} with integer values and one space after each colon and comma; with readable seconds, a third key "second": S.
{"hour": 4, "minute": 12}
